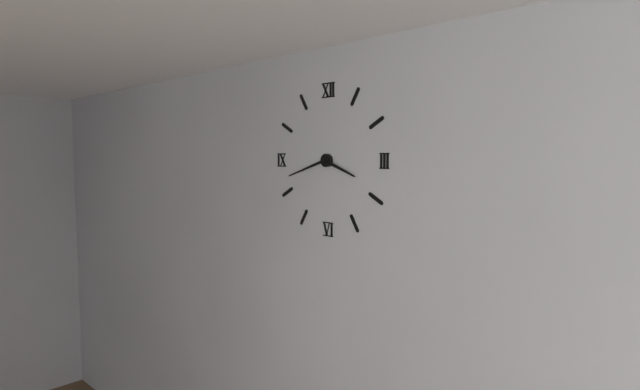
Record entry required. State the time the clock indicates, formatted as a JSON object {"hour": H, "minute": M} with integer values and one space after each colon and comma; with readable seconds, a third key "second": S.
{"hour": 3, "minute": 42}
